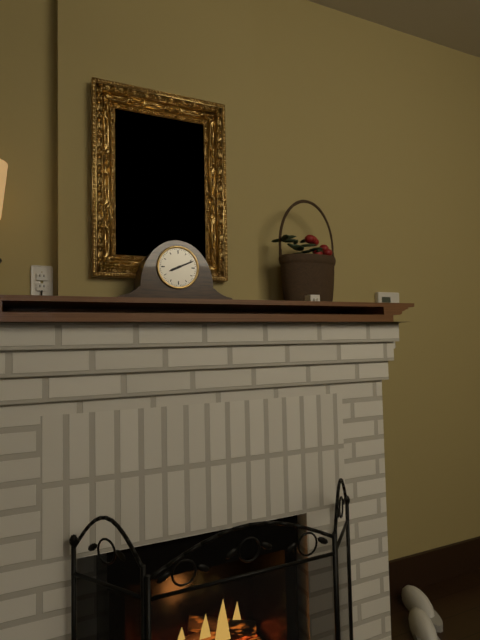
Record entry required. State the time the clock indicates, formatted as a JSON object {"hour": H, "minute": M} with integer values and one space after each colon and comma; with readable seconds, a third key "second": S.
{"hour": 8, "minute": 11}
